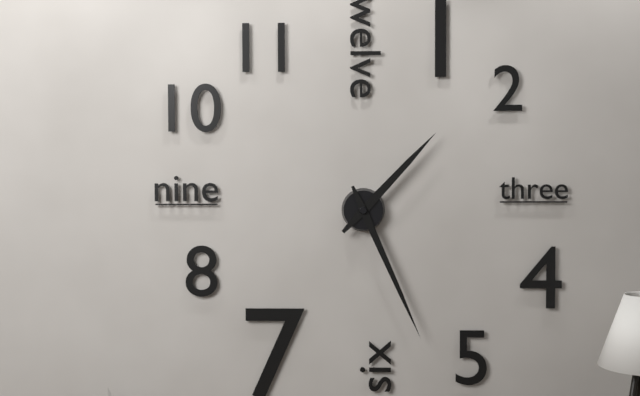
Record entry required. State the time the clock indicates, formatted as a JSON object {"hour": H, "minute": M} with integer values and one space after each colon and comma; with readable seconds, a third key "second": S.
{"hour": 1, "minute": 26}
